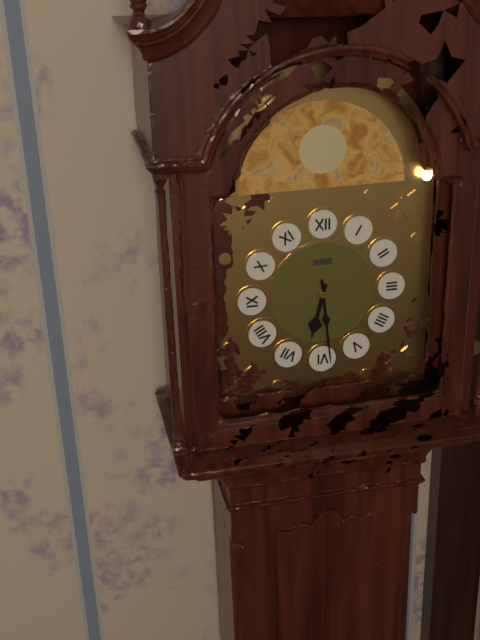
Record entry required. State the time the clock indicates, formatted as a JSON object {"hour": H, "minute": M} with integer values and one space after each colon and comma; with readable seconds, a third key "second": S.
{"hour": 6, "minute": 29}
